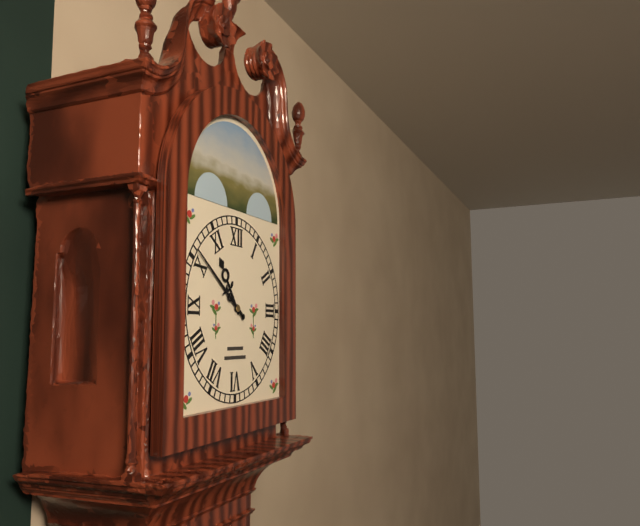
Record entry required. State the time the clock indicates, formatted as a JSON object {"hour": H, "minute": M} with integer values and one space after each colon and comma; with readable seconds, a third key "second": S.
{"hour": 10, "minute": 51}
